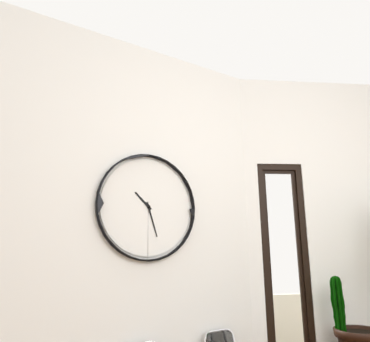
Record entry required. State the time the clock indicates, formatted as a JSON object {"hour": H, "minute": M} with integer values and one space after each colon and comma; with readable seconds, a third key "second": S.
{"hour": 10, "minute": 27}
